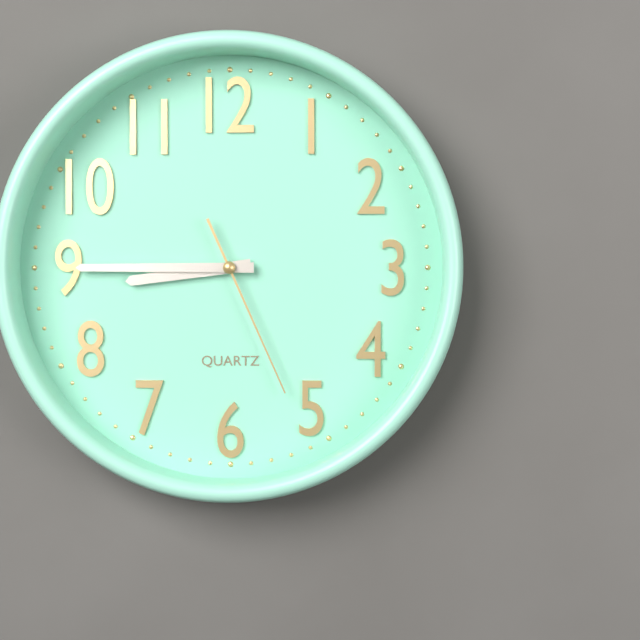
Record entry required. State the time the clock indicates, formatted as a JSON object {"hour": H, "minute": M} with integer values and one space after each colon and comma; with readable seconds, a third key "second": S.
{"hour": 8, "minute": 45, "second": 26}
